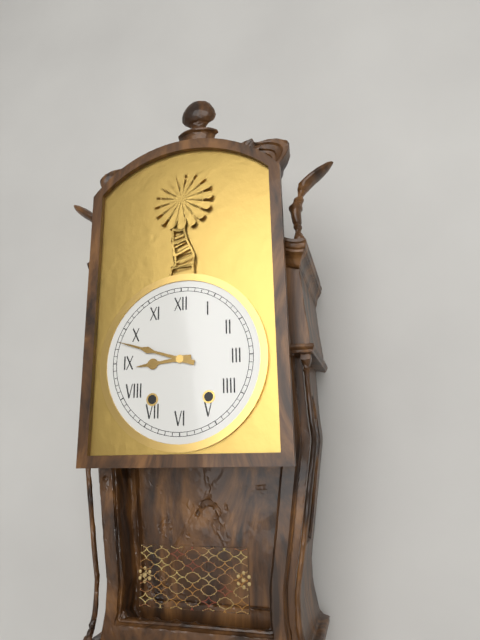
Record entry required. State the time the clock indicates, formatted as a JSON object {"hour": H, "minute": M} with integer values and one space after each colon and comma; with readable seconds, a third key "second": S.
{"hour": 8, "minute": 48}
